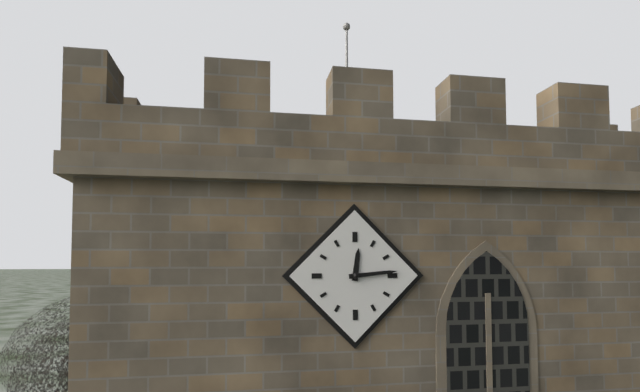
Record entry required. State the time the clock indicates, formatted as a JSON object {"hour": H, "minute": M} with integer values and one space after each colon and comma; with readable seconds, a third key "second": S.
{"hour": 12, "minute": 14}
